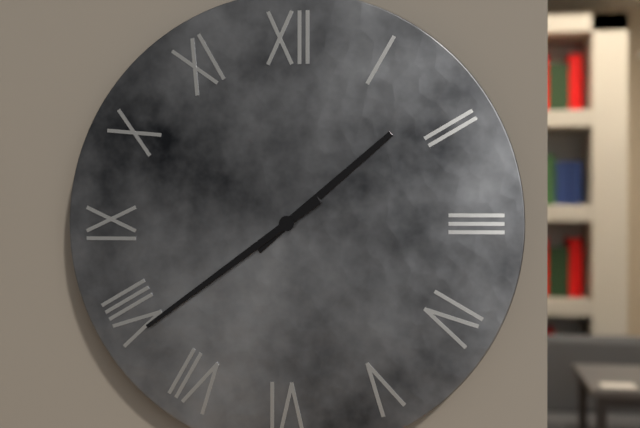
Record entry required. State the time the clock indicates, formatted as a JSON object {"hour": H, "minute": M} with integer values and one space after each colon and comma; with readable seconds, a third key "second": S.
{"hour": 1, "minute": 39}
